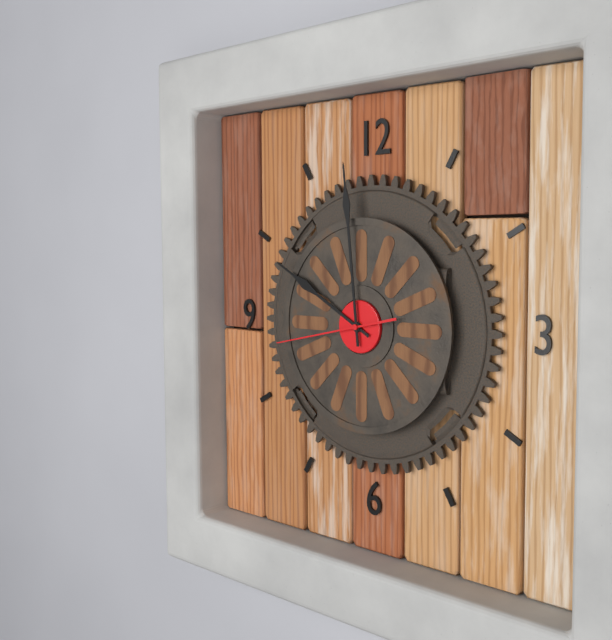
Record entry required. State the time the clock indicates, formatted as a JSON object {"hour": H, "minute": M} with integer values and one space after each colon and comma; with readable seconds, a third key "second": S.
{"hour": 9, "minute": 59, "second": 43}
